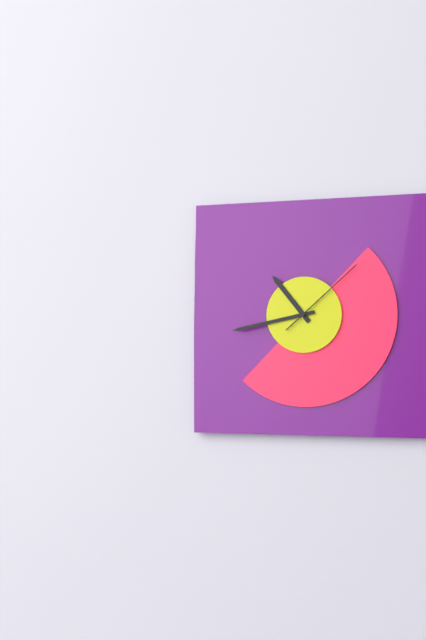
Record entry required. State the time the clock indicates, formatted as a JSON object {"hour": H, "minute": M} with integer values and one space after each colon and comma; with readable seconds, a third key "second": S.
{"hour": 10, "minute": 43, "second": 8}
